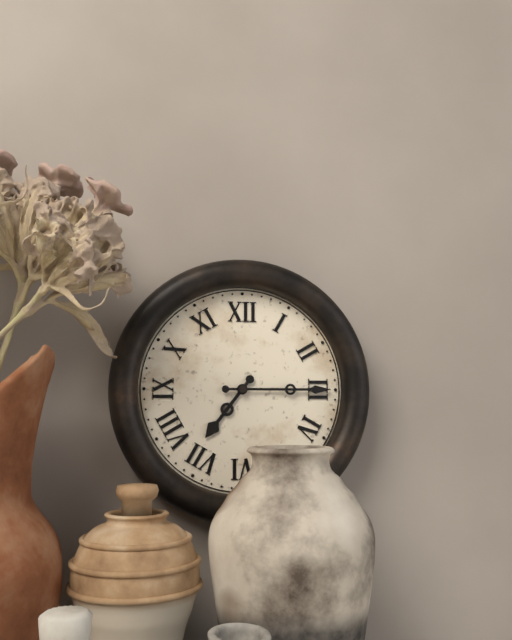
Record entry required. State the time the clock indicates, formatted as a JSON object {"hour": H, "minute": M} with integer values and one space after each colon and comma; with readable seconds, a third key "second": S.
{"hour": 7, "minute": 15}
